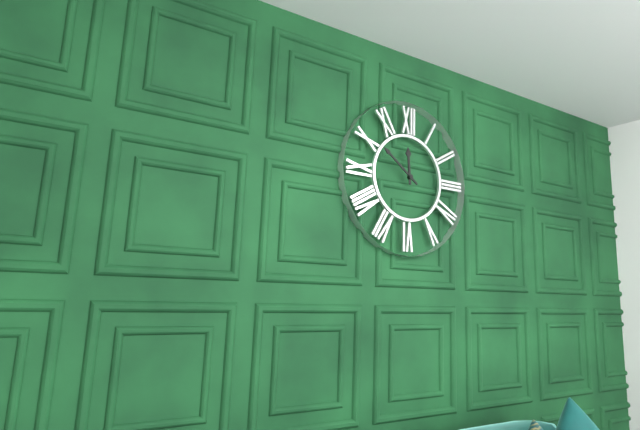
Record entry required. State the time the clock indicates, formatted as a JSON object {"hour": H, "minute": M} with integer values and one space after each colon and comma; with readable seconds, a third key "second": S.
{"hour": 11, "minute": 51}
